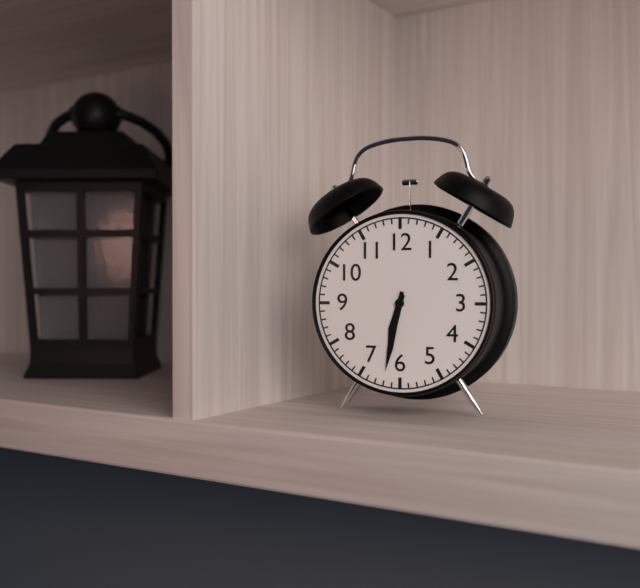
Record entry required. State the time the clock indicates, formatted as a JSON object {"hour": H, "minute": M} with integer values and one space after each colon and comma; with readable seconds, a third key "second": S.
{"hour": 6, "minute": 32}
